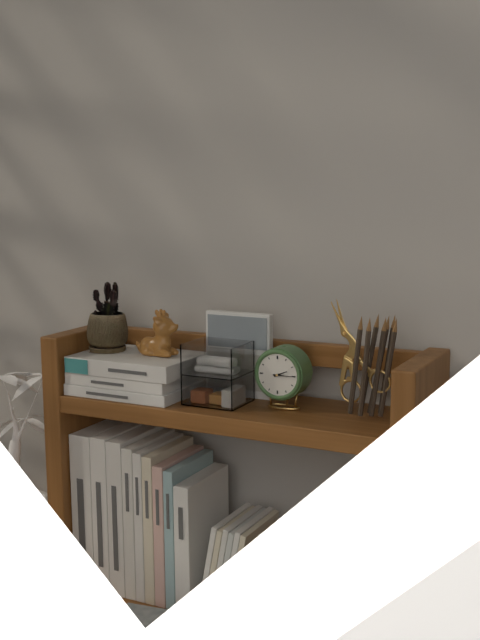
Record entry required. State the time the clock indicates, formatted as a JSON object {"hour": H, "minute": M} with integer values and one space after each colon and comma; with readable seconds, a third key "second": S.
{"hour": 2, "minute": 15}
